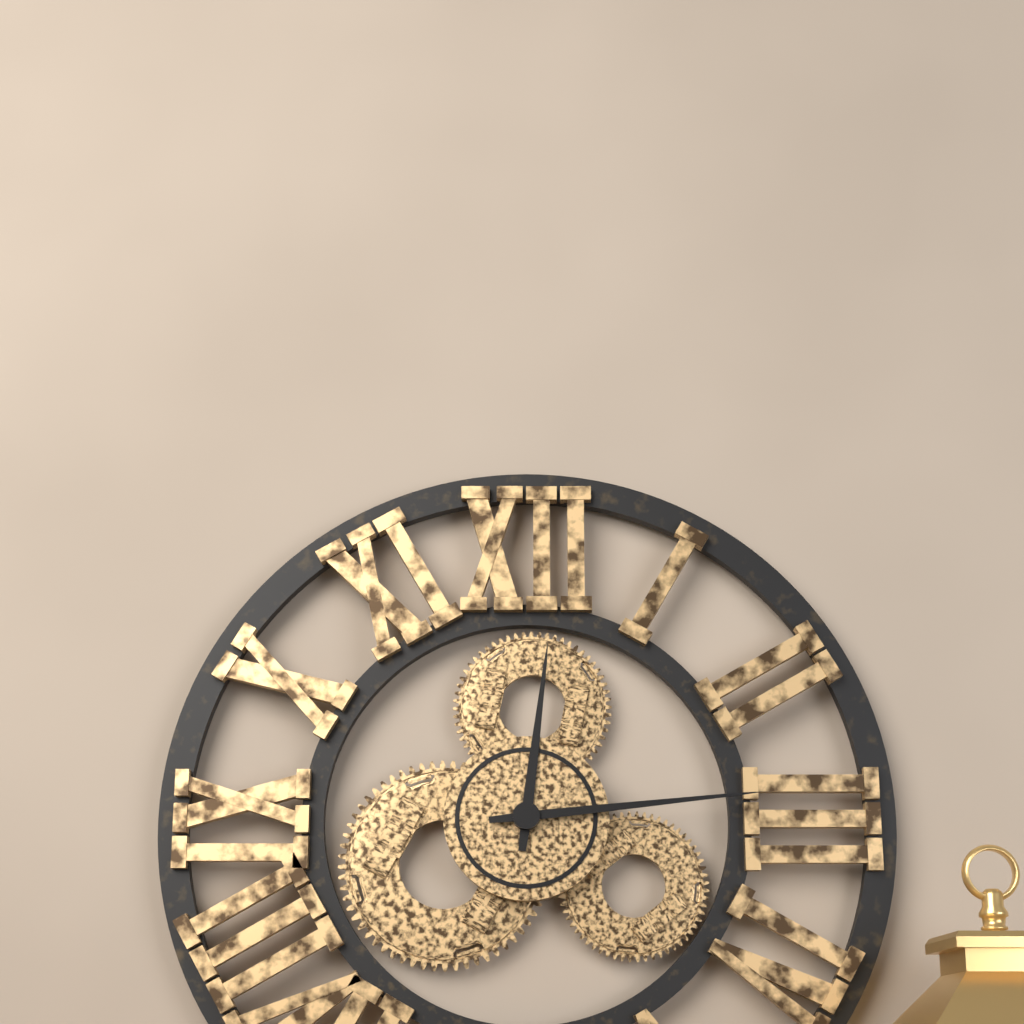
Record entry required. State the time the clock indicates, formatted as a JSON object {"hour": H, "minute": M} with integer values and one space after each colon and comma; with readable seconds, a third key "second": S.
{"hour": 12, "minute": 14}
